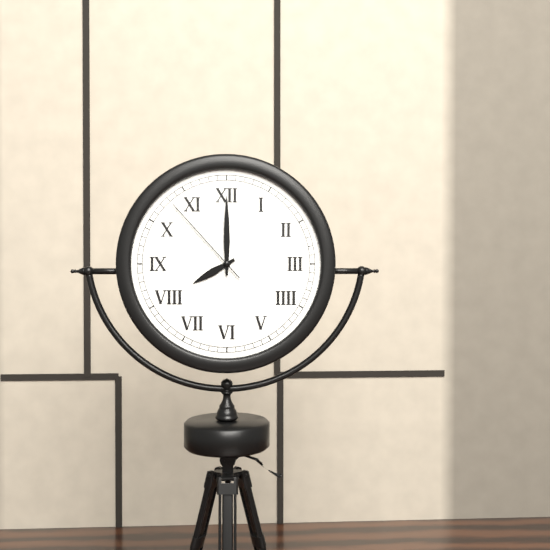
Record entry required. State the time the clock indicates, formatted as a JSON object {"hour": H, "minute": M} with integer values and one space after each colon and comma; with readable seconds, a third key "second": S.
{"hour": 8, "minute": 0, "second": 53}
